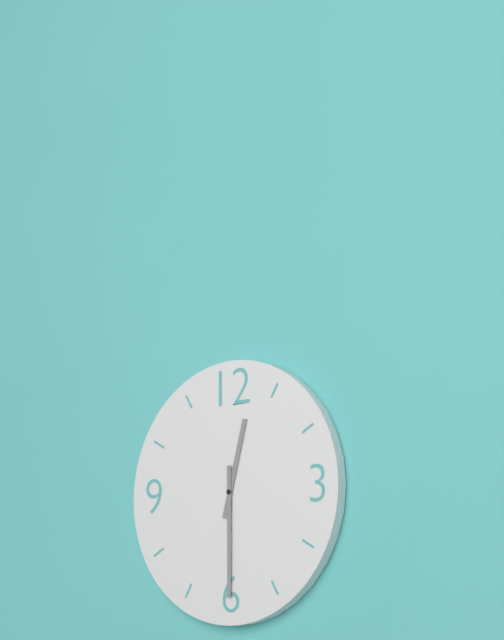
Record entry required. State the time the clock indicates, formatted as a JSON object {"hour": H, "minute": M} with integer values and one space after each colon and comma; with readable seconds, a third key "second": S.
{"hour": 12, "minute": 30}
